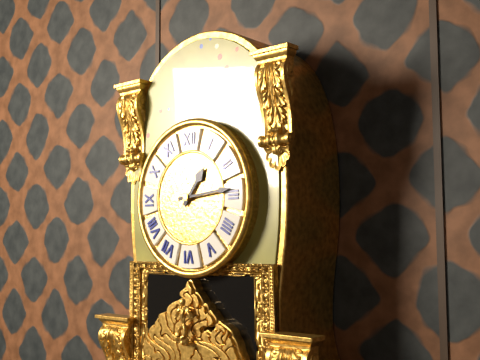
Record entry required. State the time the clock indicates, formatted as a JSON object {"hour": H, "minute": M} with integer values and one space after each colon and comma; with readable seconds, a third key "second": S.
{"hour": 1, "minute": 14}
